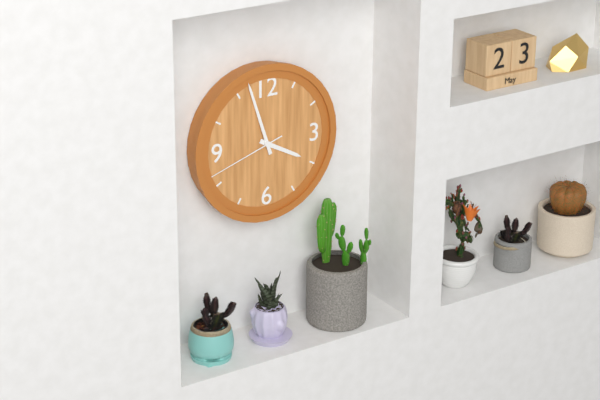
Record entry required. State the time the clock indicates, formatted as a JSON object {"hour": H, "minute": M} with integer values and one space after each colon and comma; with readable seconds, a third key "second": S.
{"hour": 3, "minute": 57, "second": 42}
